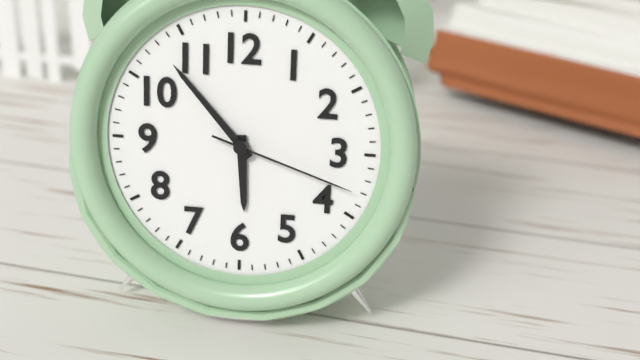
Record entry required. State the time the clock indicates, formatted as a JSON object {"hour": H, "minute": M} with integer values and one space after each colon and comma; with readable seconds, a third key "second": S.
{"hour": 5, "minute": 53, "second": 18}
